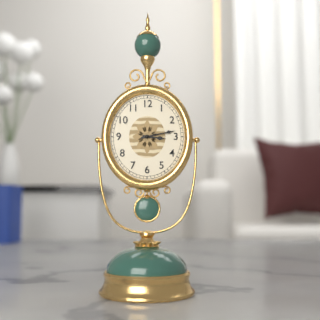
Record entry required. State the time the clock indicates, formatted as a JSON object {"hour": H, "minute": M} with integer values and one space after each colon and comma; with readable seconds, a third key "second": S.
{"hour": 3, "minute": 13}
